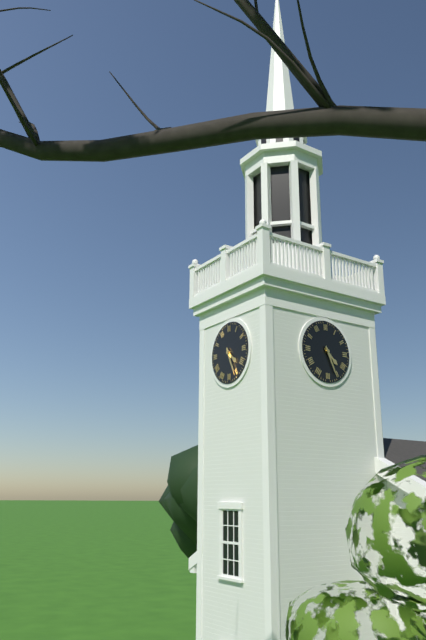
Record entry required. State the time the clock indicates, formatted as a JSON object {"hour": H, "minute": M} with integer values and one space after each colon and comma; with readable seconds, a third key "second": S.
{"hour": 4, "minute": 26}
